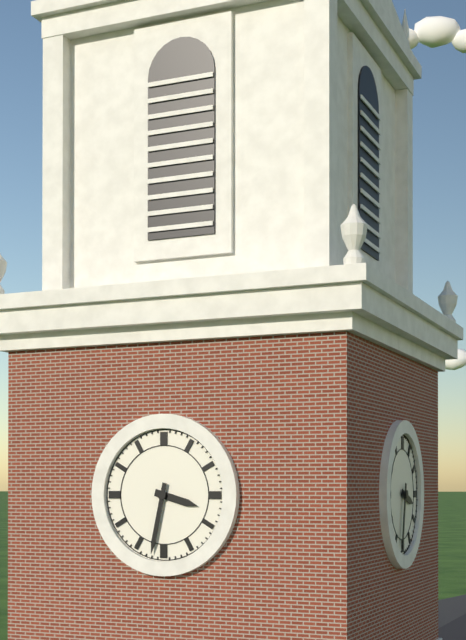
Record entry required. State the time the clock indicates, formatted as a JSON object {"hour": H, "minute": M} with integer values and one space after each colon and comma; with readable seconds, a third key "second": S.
{"hour": 3, "minute": 32}
